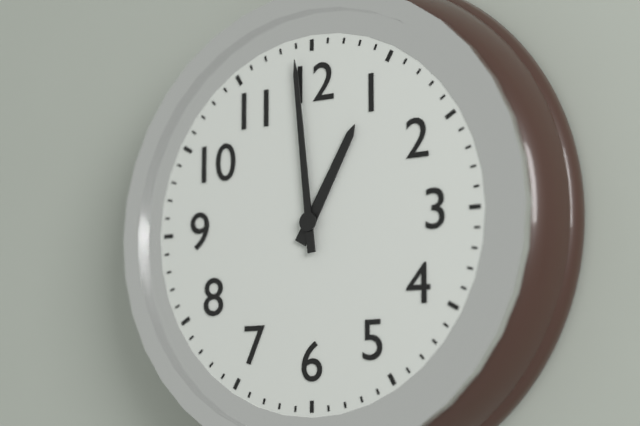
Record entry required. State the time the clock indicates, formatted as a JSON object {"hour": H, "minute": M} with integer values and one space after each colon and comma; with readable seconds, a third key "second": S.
{"hour": 12, "minute": 59}
